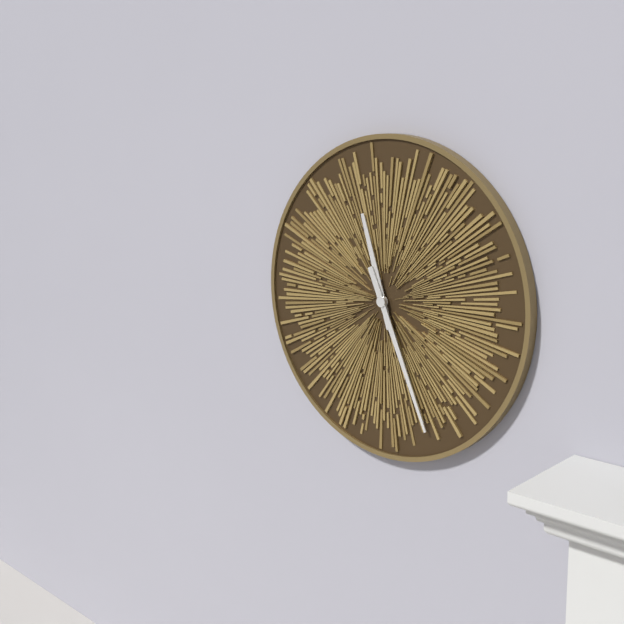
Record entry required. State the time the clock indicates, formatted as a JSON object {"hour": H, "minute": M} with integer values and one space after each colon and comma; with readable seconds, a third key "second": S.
{"hour": 11, "minute": 26}
